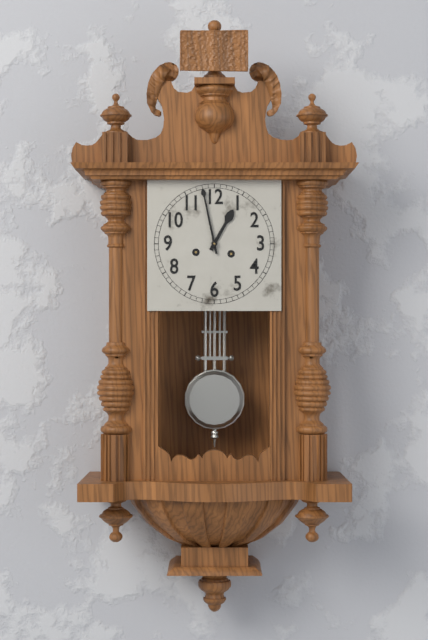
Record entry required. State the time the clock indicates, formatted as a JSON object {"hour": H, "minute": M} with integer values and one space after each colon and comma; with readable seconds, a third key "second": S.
{"hour": 12, "minute": 58}
